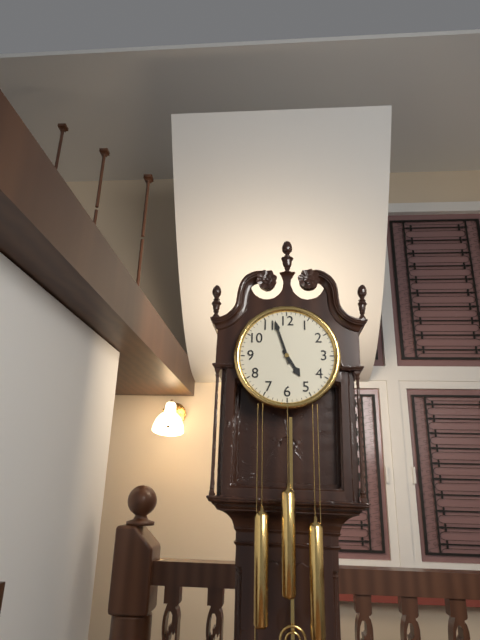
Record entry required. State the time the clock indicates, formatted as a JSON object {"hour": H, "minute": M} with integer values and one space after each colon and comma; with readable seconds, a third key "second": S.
{"hour": 4, "minute": 57}
